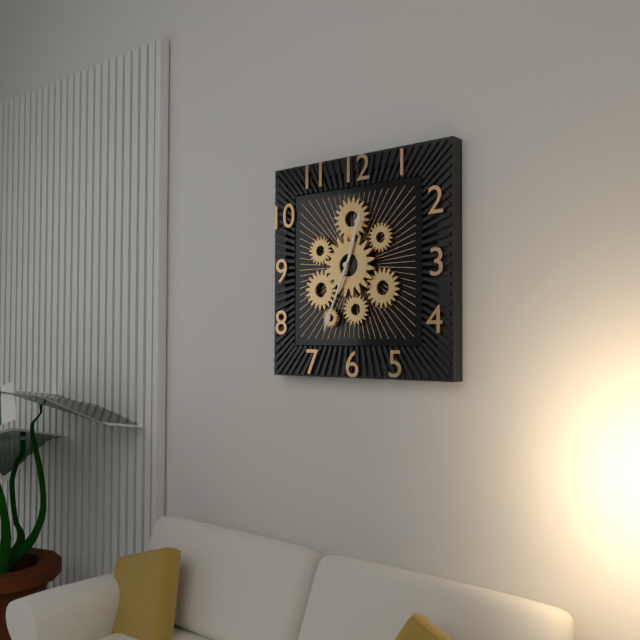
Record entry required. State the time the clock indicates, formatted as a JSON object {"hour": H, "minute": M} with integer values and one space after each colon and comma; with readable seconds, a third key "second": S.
{"hour": 12, "minute": 34}
